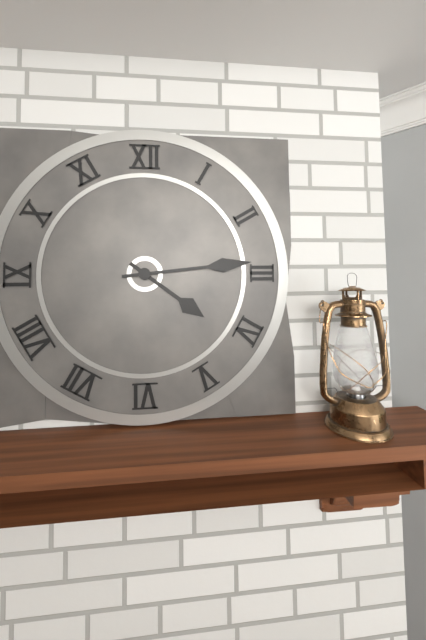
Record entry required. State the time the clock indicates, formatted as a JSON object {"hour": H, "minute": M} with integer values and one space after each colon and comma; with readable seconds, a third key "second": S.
{"hour": 4, "minute": 14}
